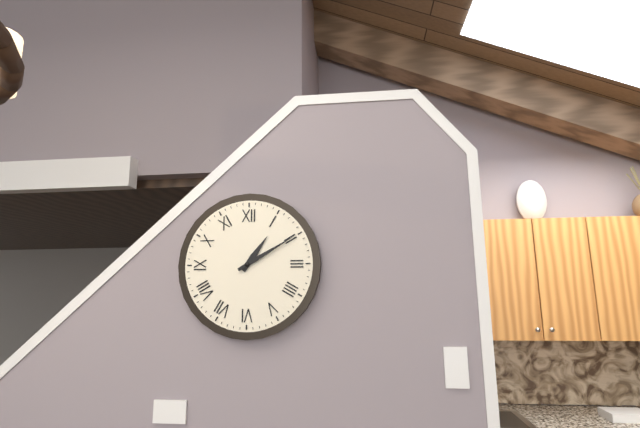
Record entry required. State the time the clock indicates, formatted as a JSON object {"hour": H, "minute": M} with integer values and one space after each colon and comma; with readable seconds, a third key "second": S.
{"hour": 1, "minute": 10}
